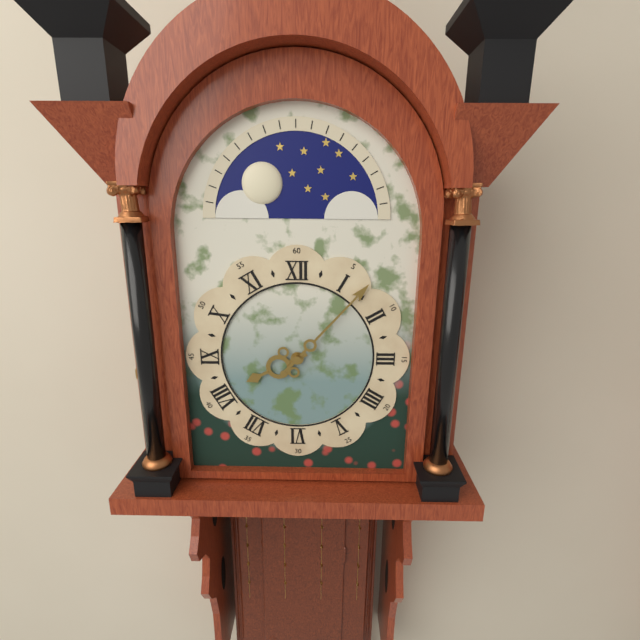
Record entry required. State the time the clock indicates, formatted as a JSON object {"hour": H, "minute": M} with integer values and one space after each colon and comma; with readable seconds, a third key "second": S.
{"hour": 8, "minute": 7}
